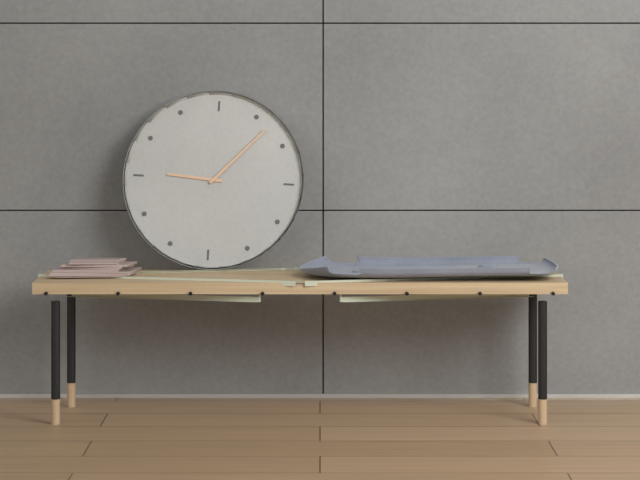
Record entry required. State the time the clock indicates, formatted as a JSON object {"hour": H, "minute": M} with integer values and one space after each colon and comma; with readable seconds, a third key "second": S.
{"hour": 9, "minute": 7}
